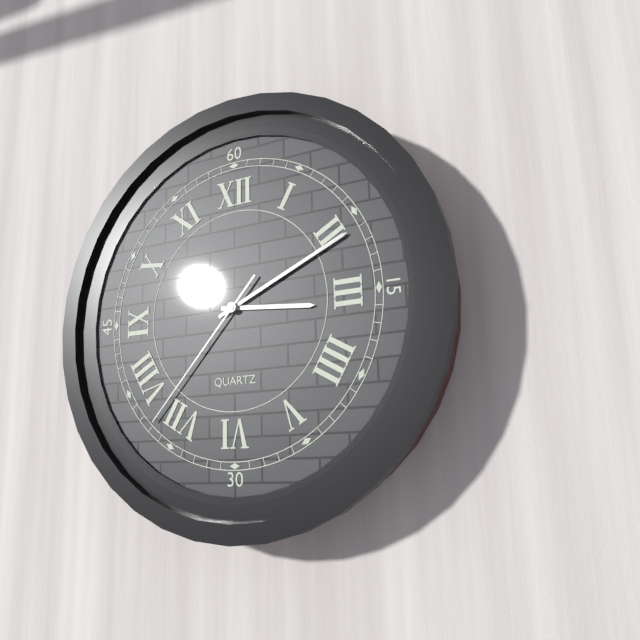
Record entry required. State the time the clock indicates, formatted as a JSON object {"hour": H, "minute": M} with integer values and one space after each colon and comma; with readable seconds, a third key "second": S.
{"hour": 3, "minute": 11, "second": 37}
